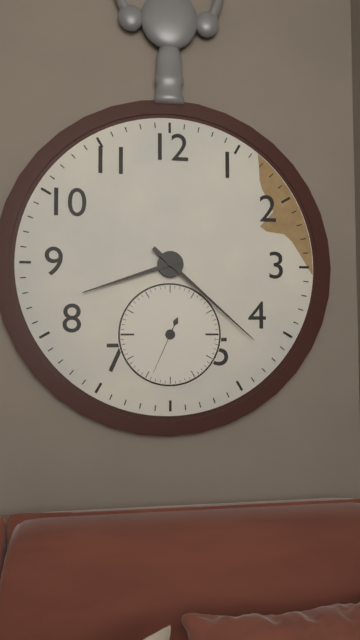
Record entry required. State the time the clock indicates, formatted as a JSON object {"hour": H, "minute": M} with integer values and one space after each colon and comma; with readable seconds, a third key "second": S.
{"hour": 8, "minute": 22, "second": 34}
